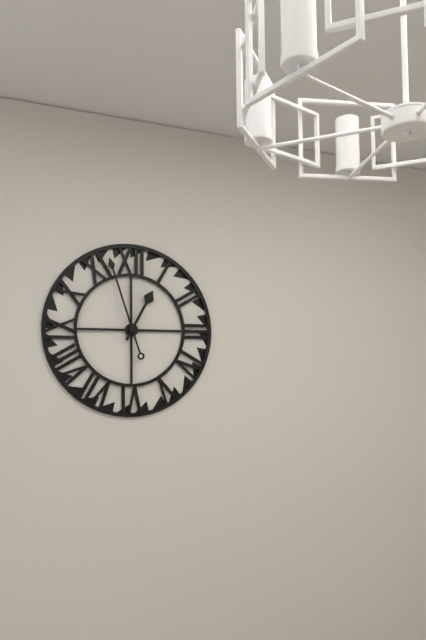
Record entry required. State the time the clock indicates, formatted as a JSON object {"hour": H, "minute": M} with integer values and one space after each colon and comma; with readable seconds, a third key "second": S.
{"hour": 12, "minute": 57}
